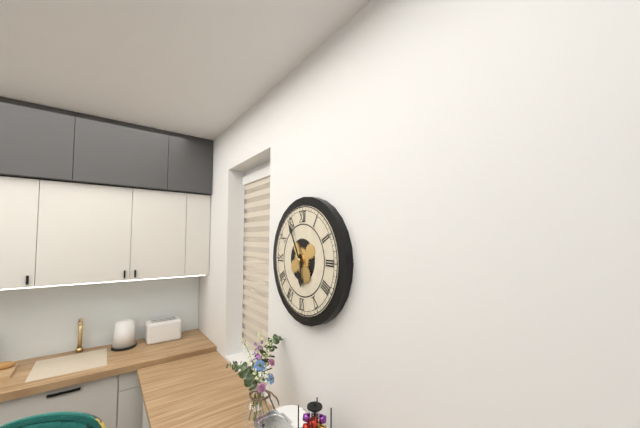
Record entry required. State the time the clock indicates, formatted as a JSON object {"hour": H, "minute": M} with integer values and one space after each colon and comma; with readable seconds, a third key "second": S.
{"hour": 5, "minute": 55}
